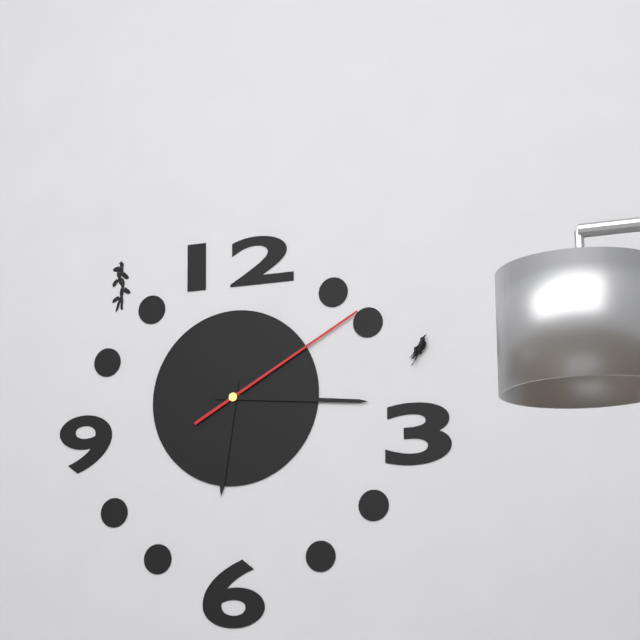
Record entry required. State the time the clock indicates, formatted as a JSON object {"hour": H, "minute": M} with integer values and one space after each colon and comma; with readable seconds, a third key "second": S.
{"hour": 6, "minute": 16, "second": 10}
